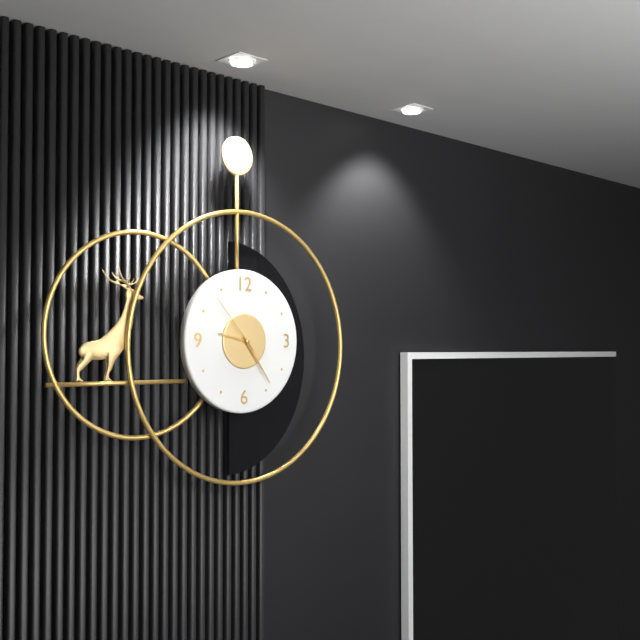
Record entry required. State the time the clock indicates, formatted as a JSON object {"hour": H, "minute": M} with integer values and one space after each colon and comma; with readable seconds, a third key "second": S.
{"hour": 9, "minute": 24, "second": 53}
